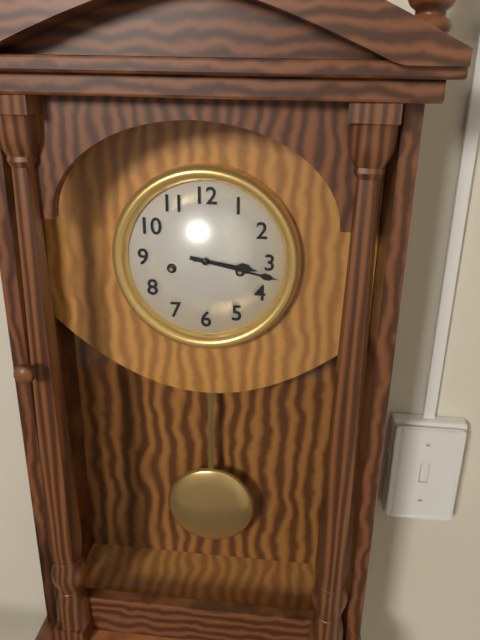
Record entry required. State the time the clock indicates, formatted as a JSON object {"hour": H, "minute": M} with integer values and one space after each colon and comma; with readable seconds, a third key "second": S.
{"hour": 3, "minute": 17}
